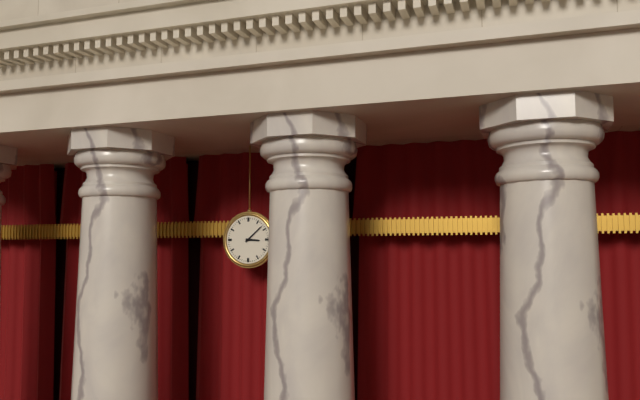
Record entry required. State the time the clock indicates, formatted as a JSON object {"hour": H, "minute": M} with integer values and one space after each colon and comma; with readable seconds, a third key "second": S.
{"hour": 3, "minute": 8}
